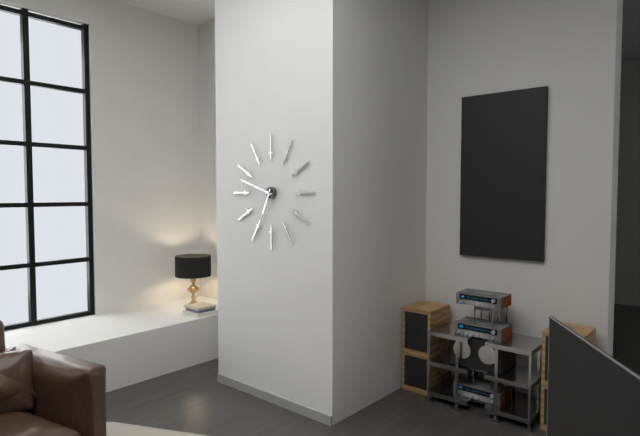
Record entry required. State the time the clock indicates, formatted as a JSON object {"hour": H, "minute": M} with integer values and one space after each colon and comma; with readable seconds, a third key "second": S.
{"hour": 6, "minute": 48}
